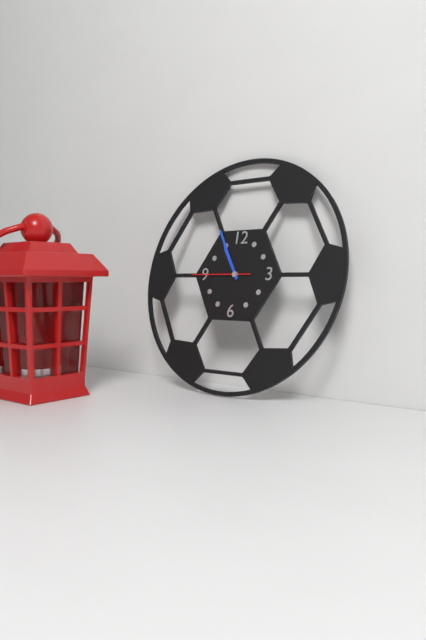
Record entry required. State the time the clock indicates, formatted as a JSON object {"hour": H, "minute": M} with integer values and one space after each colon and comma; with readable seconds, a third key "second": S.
{"hour": 10, "minute": 55, "second": 45}
